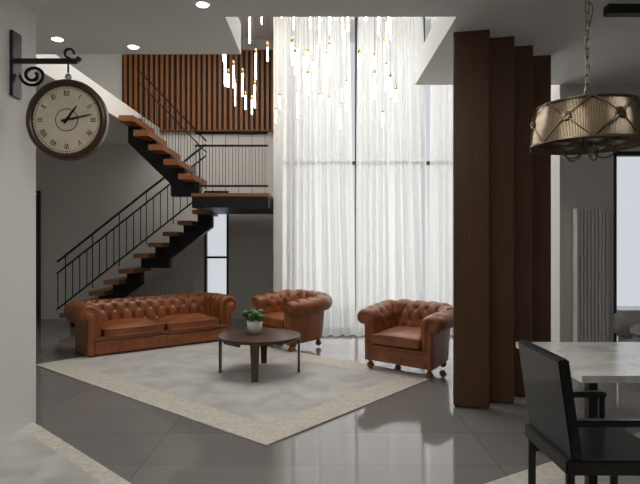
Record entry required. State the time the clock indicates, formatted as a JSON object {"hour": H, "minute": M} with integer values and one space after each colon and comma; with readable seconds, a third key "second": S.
{"hour": 1, "minute": 13}
